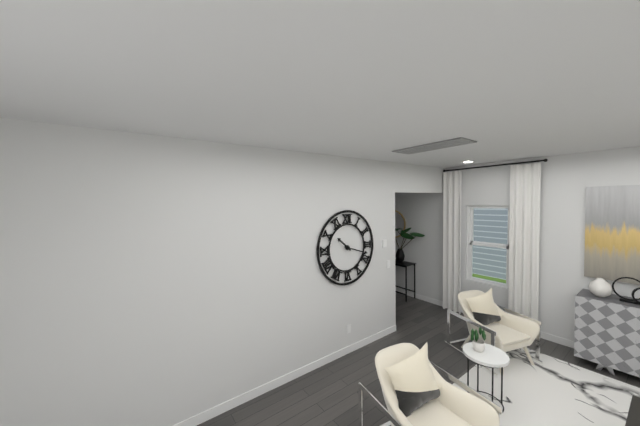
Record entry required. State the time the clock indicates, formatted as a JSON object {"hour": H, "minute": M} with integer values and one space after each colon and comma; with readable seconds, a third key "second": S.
{"hour": 10, "minute": 18}
